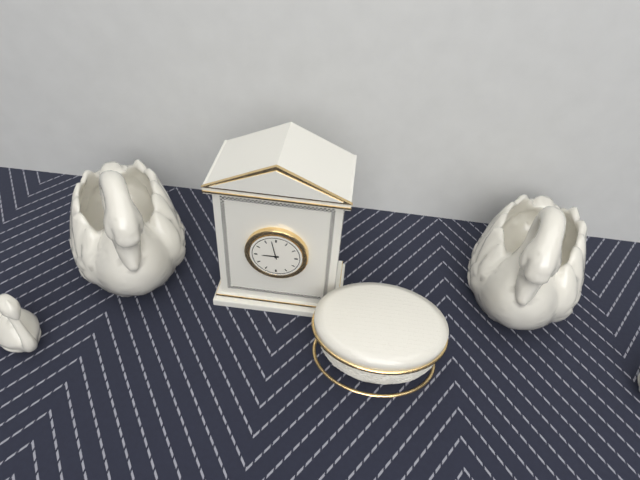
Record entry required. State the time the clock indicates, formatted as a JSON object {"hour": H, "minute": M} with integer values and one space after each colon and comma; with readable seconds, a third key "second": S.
{"hour": 8, "minute": 58}
